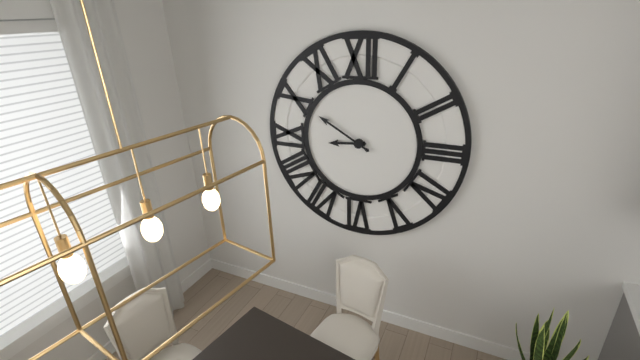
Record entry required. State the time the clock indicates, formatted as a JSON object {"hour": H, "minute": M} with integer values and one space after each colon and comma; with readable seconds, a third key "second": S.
{"hour": 8, "minute": 50}
